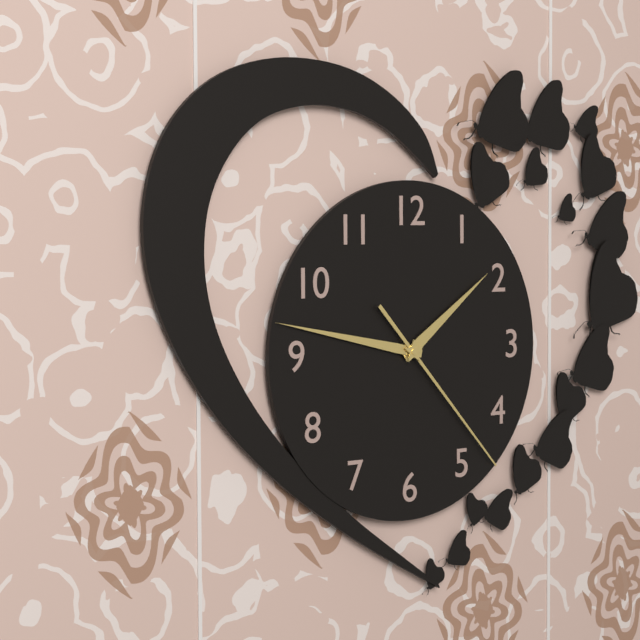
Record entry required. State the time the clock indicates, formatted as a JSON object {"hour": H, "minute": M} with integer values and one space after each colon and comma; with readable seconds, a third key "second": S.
{"hour": 1, "minute": 47, "second": 23}
